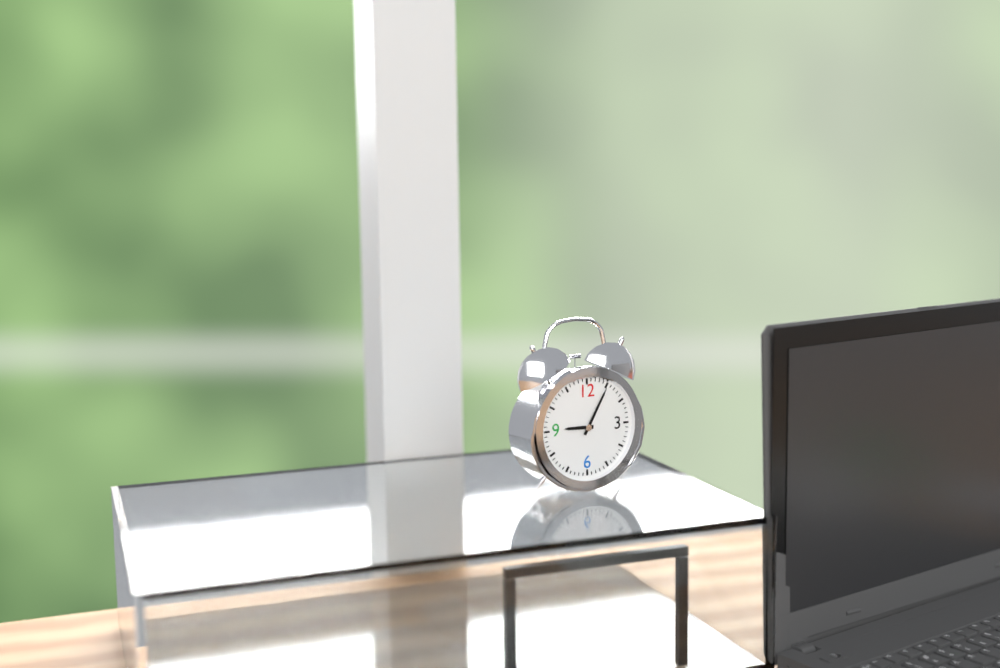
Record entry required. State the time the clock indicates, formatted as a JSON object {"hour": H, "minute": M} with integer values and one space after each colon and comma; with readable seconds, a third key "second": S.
{"hour": 9, "minute": 5}
